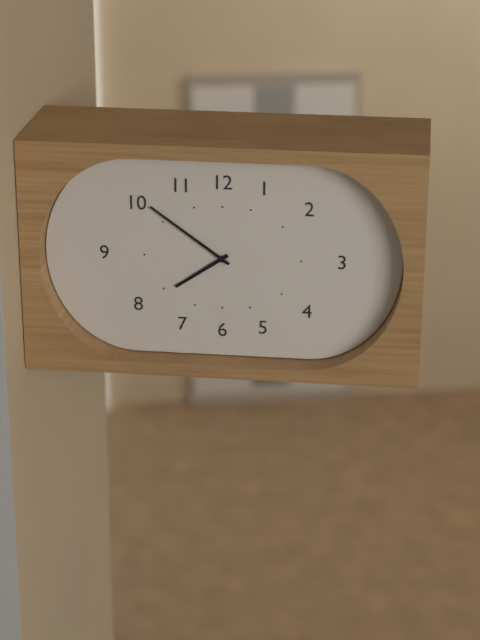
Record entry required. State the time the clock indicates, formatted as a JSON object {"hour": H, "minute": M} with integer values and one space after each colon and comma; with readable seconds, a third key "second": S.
{"hour": 7, "minute": 51}
